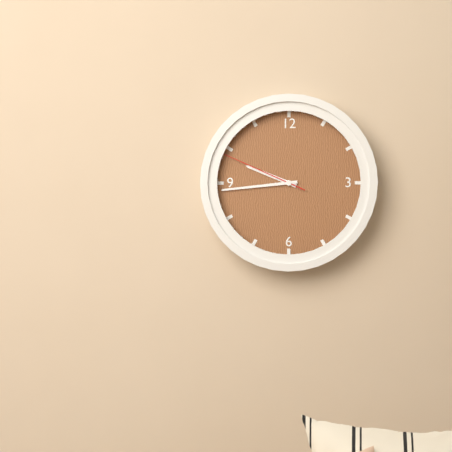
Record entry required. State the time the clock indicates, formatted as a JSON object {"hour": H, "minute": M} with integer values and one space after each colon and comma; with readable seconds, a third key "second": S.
{"hour": 9, "minute": 44, "second": 49}
